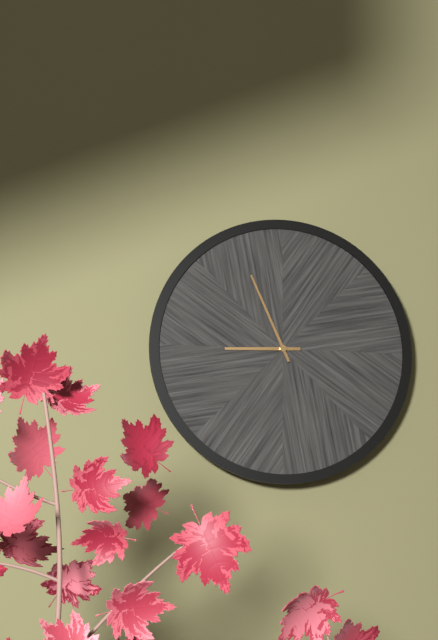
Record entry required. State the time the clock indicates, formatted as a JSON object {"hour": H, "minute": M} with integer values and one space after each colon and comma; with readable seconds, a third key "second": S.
{"hour": 8, "minute": 56}
